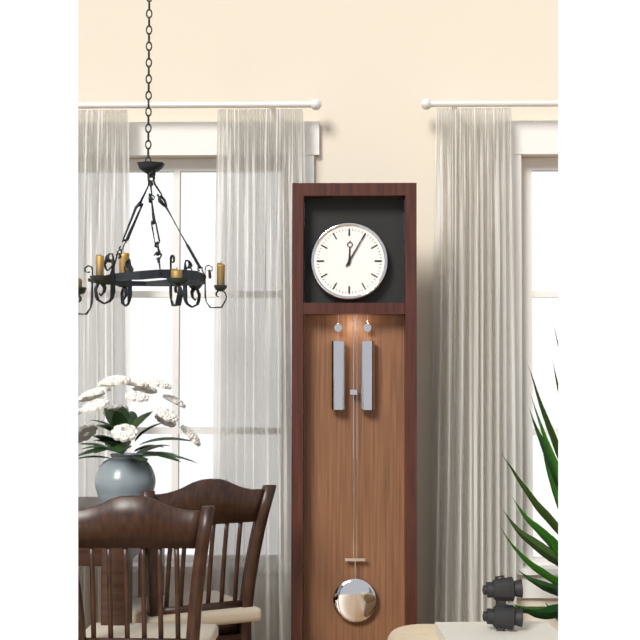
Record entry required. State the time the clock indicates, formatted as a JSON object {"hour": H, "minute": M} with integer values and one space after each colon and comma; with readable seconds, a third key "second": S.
{"hour": 12, "minute": 5}
